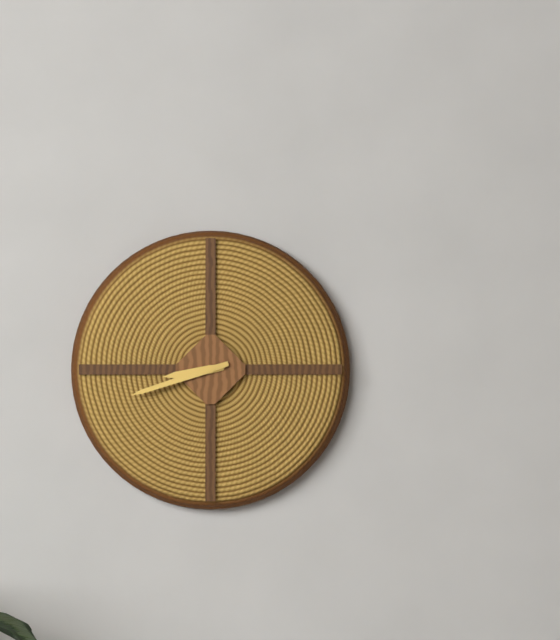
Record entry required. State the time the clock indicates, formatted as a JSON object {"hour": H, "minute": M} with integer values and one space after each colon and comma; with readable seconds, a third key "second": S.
{"hour": 8, "minute": 42}
